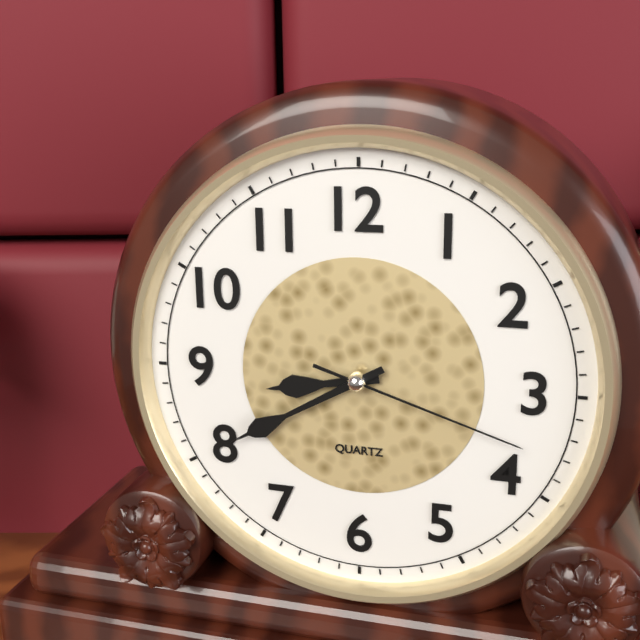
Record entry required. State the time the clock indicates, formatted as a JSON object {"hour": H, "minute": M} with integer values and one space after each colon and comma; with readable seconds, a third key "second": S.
{"hour": 8, "minute": 40, "second": 18}
